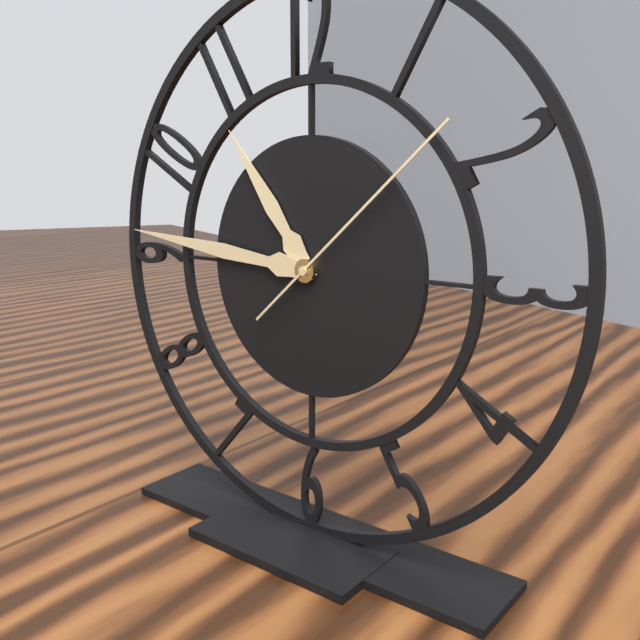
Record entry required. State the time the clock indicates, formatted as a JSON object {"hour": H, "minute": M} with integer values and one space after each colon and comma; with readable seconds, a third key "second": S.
{"hour": 10, "minute": 46, "second": 8}
